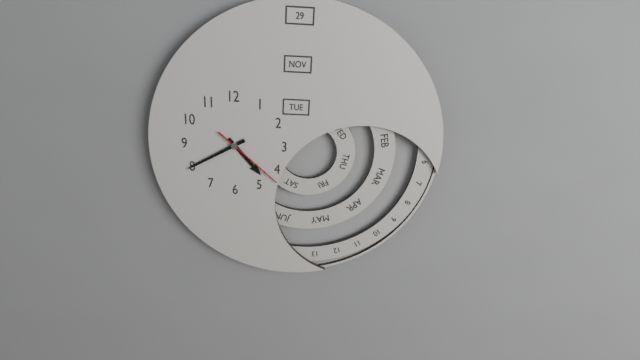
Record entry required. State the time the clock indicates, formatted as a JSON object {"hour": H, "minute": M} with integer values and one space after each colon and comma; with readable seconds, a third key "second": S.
{"hour": 4, "minute": 40, "second": 22}
